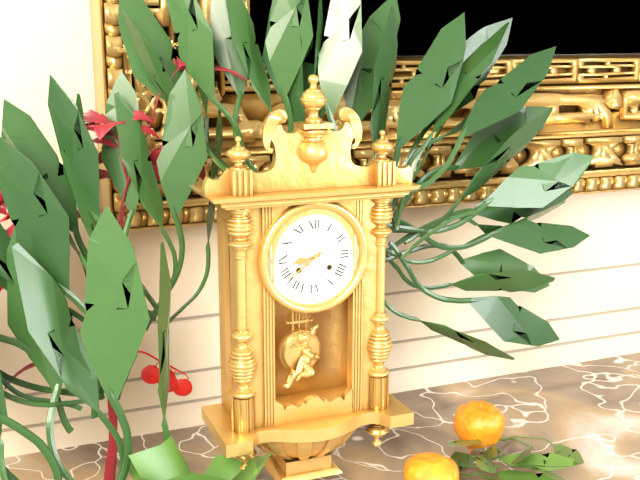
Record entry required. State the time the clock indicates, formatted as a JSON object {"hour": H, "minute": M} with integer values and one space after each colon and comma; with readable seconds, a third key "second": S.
{"hour": 8, "minute": 39}
